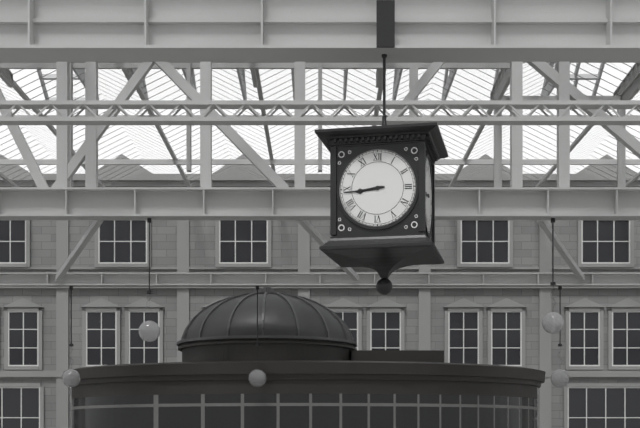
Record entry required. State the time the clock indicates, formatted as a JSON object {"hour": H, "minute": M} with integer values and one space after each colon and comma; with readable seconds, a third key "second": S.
{"hour": 8, "minute": 44}
